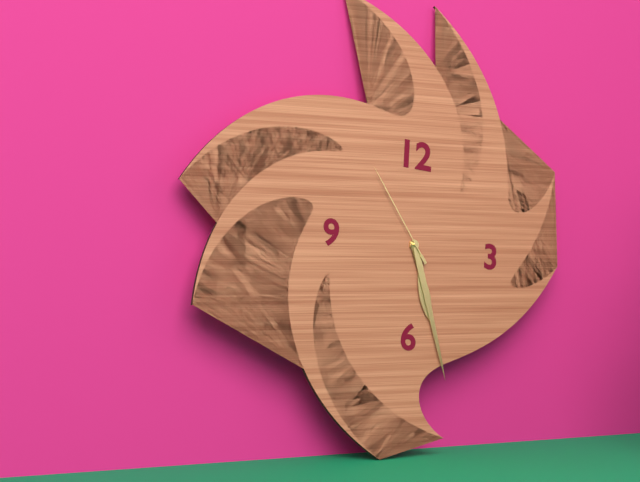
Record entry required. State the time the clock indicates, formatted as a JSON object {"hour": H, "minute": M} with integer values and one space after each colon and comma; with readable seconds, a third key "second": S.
{"hour": 5, "minute": 27, "second": 54}
